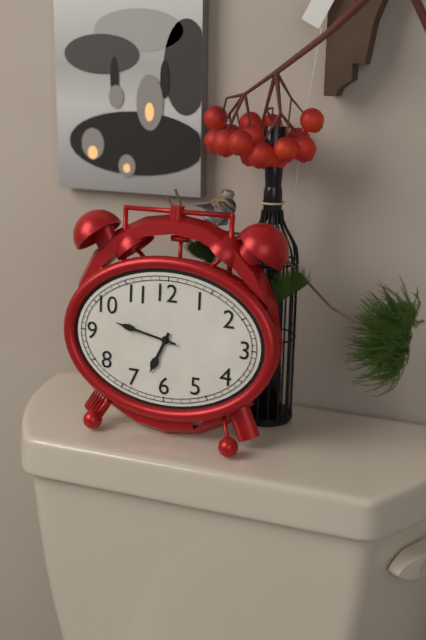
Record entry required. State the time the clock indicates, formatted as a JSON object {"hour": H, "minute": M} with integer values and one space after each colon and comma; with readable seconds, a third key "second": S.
{"hour": 6, "minute": 47}
